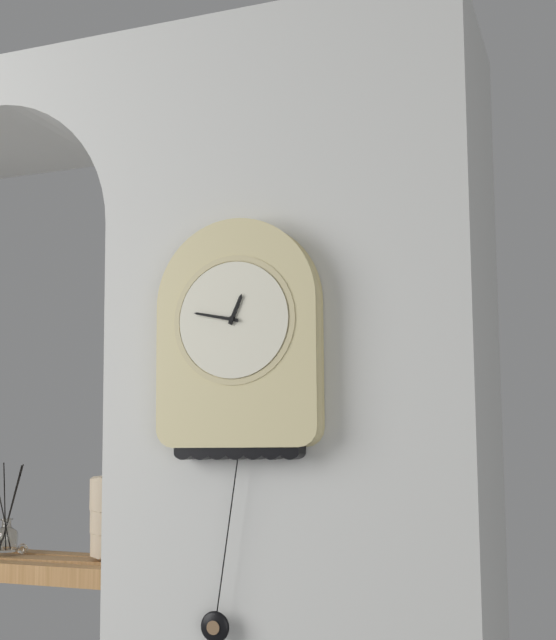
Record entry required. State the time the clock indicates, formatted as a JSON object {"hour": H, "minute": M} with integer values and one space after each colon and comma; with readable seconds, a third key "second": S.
{"hour": 12, "minute": 47}
